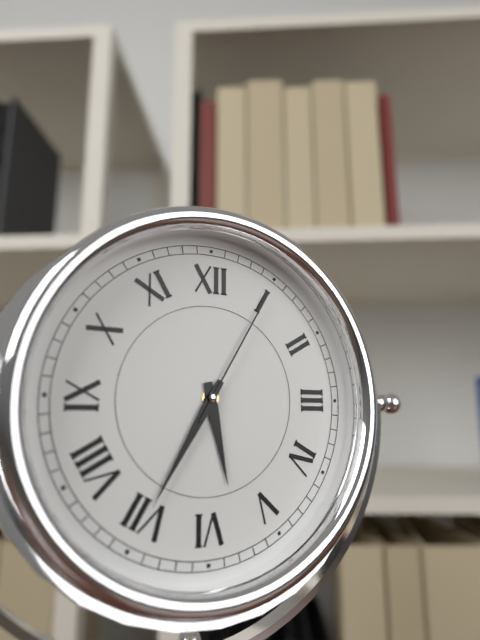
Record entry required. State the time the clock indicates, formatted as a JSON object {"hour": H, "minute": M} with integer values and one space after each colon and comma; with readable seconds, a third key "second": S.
{"hour": 5, "minute": 35, "second": 5}
